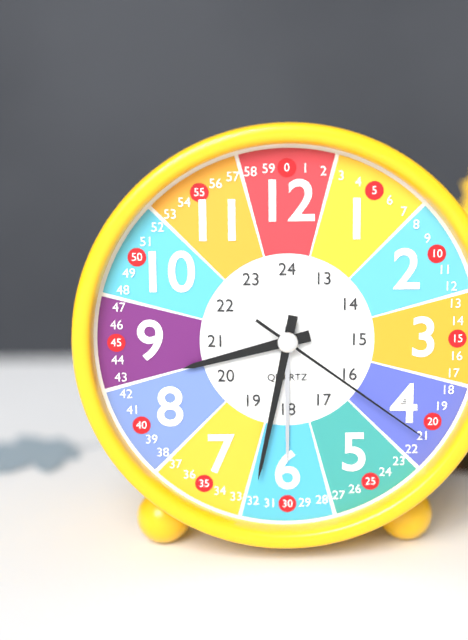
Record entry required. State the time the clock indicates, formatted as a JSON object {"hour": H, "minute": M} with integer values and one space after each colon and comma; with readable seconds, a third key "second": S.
{"hour": 8, "minute": 32, "second": 21}
